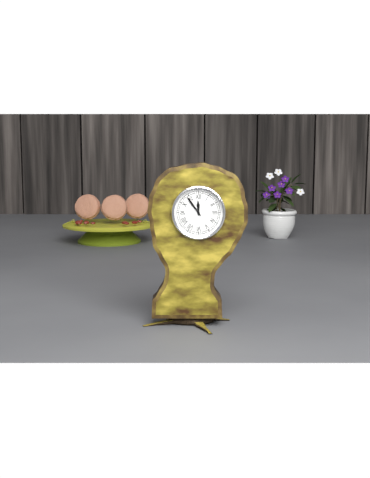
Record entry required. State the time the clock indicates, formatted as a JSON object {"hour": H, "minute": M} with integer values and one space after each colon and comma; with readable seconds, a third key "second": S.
{"hour": 11, "minute": 54}
